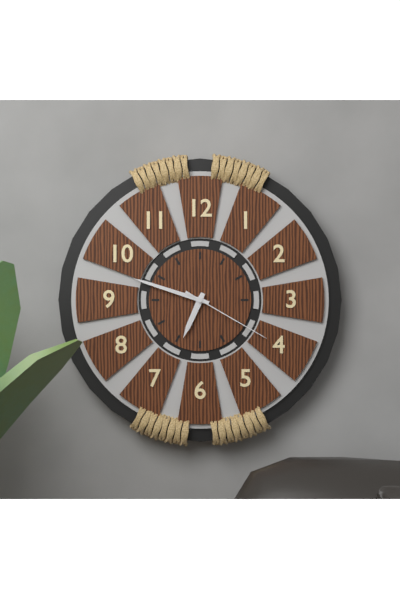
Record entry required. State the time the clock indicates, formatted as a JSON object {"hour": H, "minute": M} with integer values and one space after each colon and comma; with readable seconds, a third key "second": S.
{"hour": 6, "minute": 48, "second": 20}
